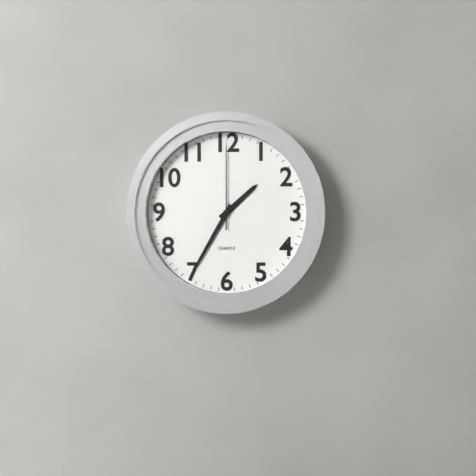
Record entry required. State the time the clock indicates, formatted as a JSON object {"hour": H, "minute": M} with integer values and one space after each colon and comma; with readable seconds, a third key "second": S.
{"hour": 1, "minute": 35, "second": 0}
